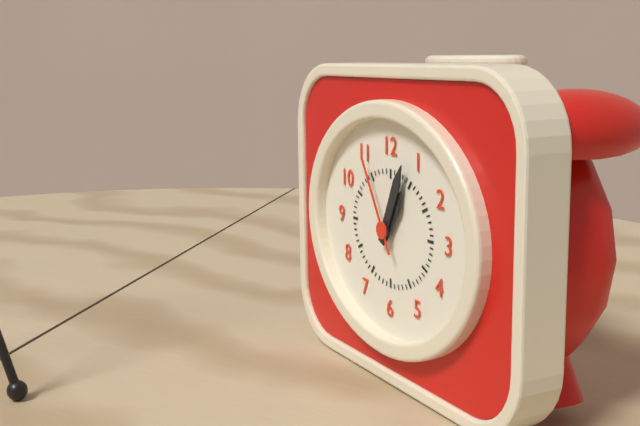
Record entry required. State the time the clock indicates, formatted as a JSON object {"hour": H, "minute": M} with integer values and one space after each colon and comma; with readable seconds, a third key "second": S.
{"hour": 1, "minute": 4, "second": 55}
